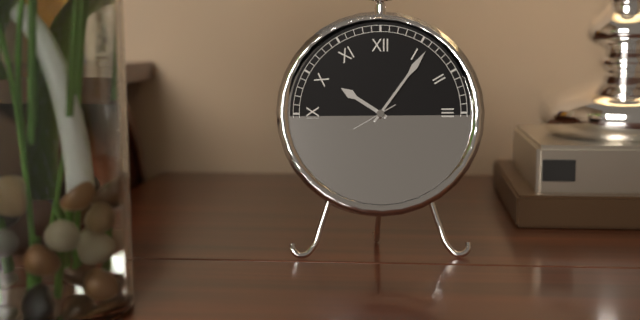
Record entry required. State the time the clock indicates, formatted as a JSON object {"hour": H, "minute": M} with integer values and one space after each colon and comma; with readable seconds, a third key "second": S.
{"hour": 10, "minute": 6}
